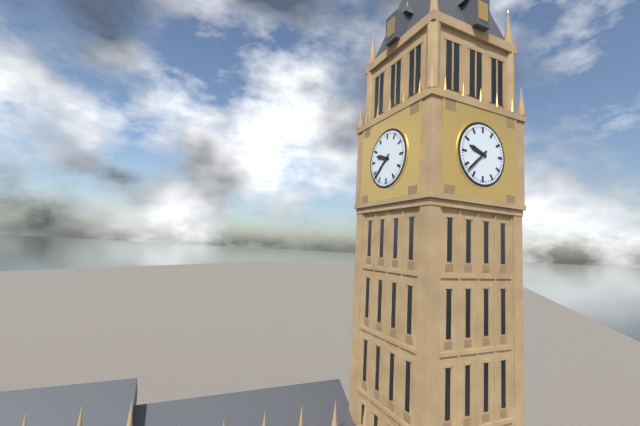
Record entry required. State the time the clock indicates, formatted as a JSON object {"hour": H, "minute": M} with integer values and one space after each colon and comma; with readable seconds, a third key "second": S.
{"hour": 9, "minute": 38}
